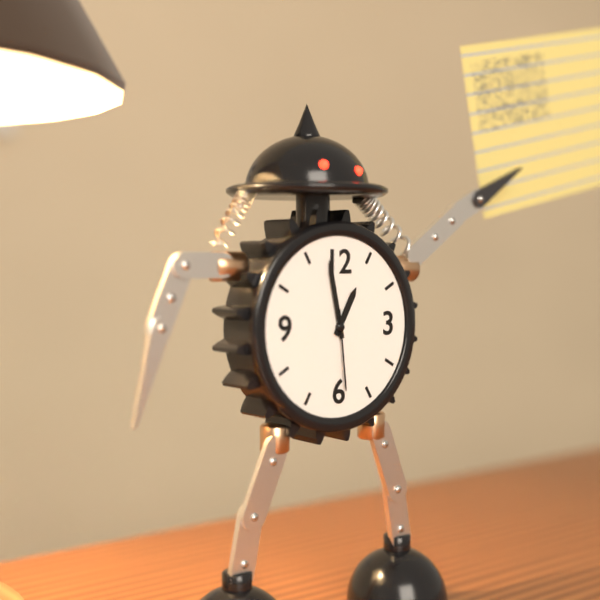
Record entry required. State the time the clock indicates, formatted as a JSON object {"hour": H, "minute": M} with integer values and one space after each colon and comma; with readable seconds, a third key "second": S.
{"hour": 12, "minute": 58, "second": 29}
